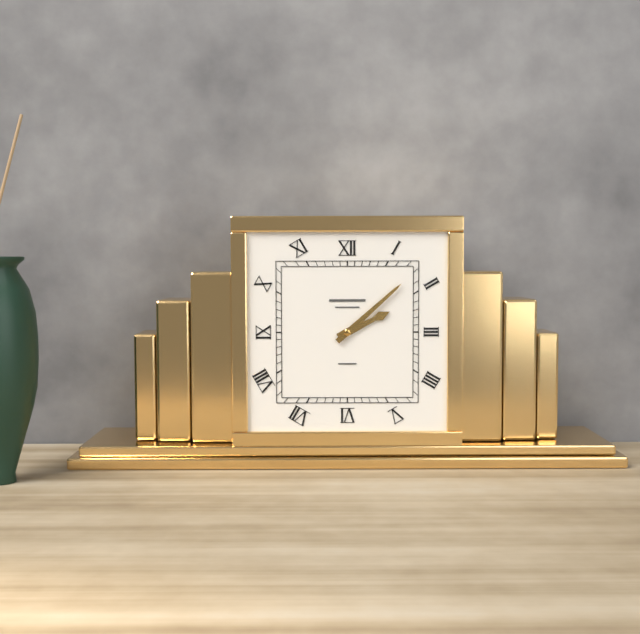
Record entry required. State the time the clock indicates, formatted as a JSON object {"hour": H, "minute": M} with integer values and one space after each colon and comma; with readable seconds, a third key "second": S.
{"hour": 2, "minute": 8}
